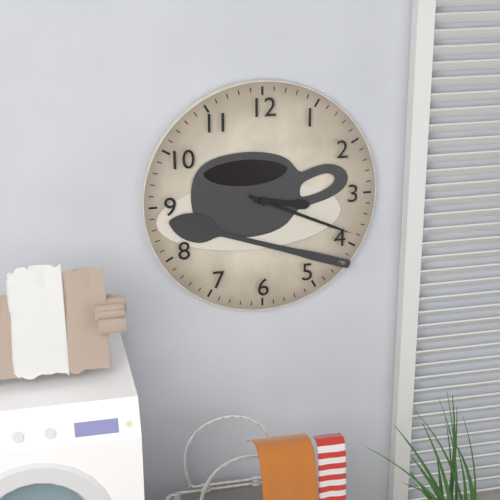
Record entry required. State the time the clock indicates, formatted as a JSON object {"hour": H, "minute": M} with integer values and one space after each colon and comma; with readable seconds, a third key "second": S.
{"hour": 3, "minute": 19}
